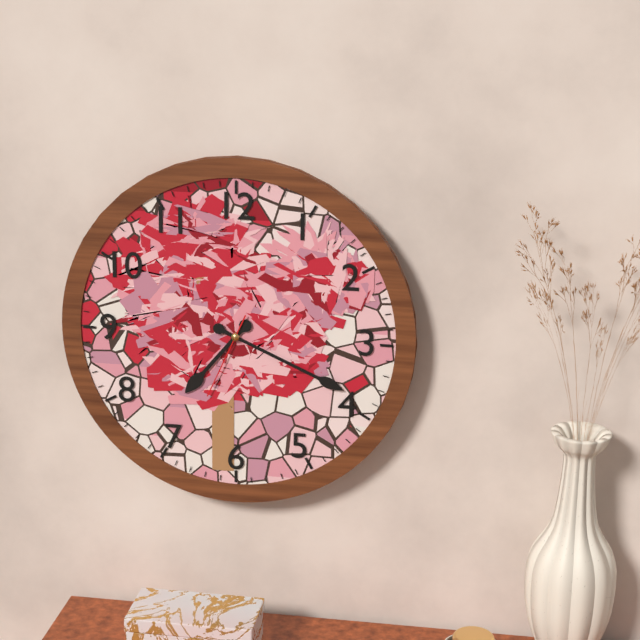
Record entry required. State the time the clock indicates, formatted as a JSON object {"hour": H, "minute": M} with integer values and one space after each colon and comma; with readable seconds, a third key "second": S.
{"hour": 7, "minute": 19, "second": 34}
